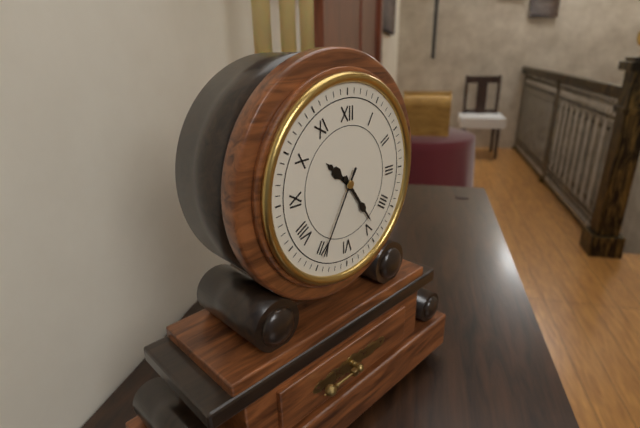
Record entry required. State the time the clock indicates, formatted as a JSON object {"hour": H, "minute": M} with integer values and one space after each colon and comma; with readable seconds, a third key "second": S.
{"hour": 10, "minute": 24, "second": 35}
